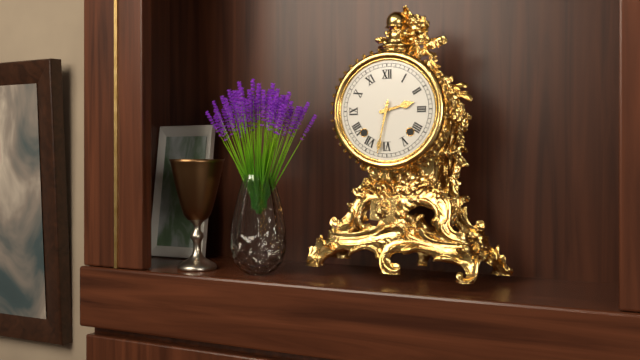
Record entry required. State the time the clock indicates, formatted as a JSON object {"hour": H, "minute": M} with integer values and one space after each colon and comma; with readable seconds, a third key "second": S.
{"hour": 2, "minute": 32}
